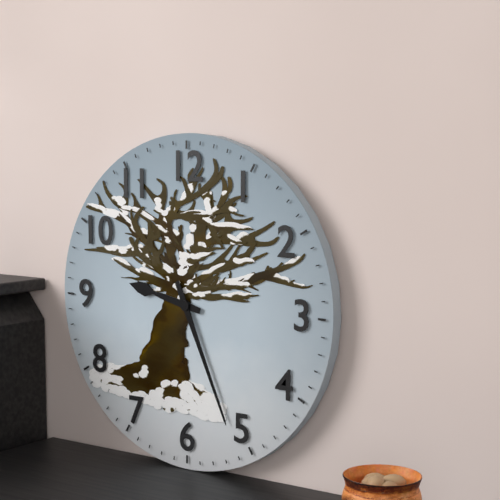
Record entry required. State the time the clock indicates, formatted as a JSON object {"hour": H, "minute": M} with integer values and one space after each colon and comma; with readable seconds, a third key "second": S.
{"hour": 9, "minute": 26}
